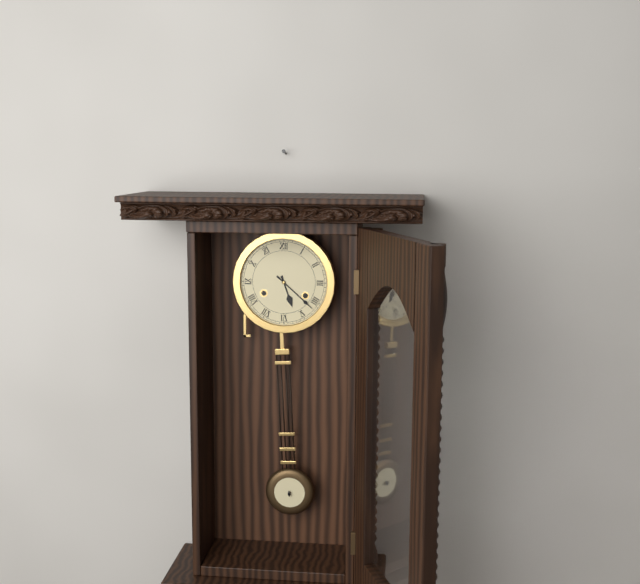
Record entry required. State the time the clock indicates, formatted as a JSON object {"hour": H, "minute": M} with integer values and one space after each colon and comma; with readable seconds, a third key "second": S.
{"hour": 5, "minute": 22}
